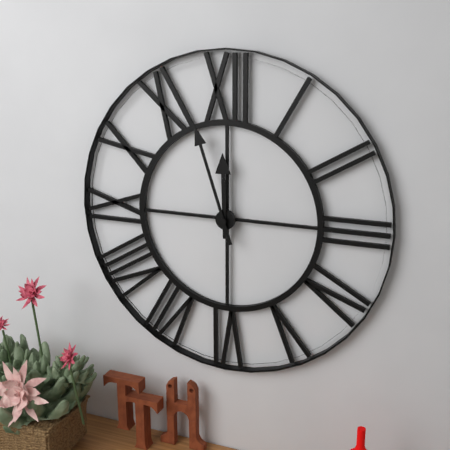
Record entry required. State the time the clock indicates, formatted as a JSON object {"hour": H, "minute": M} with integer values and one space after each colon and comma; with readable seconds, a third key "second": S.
{"hour": 11, "minute": 57}
